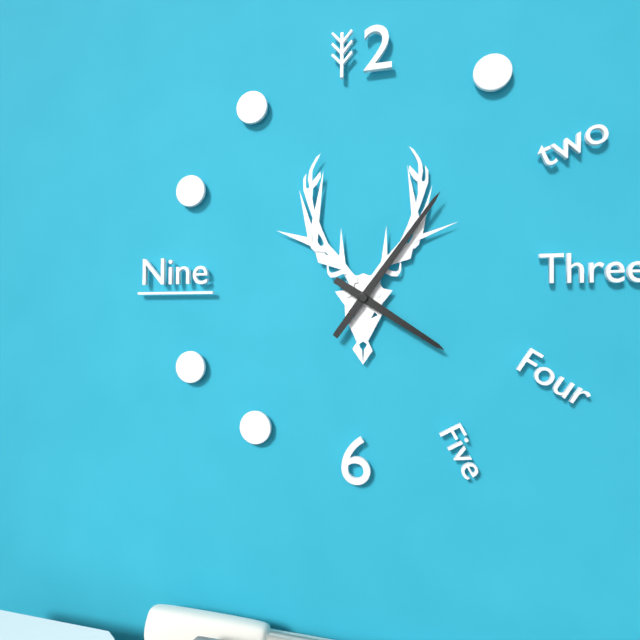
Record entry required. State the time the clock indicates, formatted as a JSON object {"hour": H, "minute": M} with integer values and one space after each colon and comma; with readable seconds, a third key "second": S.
{"hour": 4, "minute": 6}
